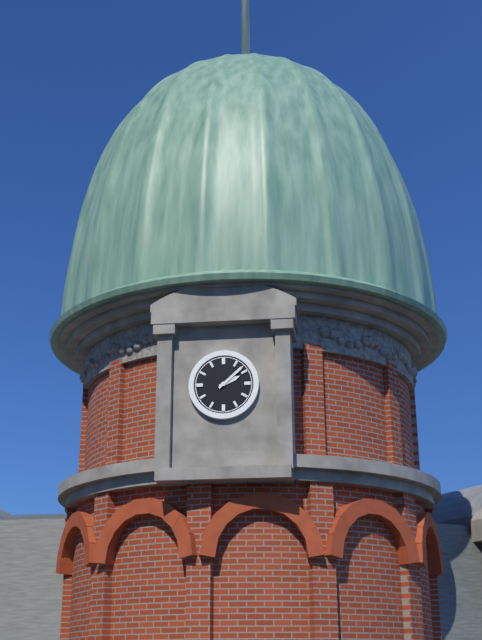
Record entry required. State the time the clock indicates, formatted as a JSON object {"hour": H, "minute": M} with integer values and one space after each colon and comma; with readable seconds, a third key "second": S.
{"hour": 2, "minute": 8}
